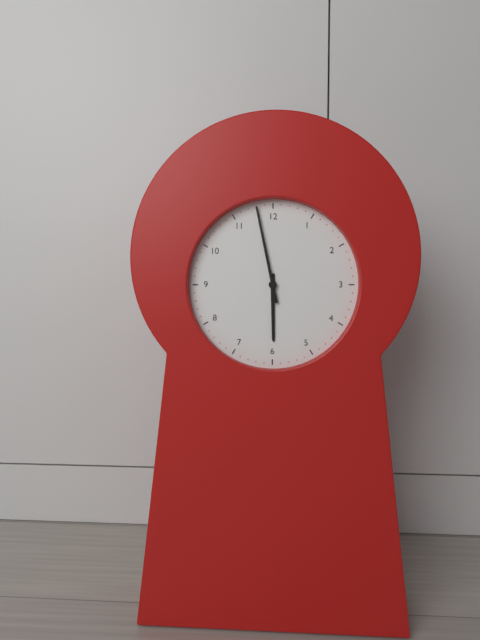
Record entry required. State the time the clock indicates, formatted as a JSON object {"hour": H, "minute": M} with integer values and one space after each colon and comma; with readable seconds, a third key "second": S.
{"hour": 5, "minute": 58}
